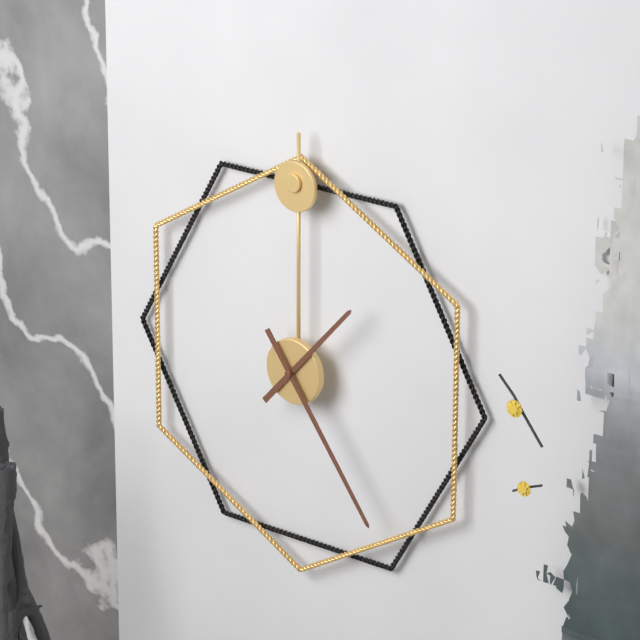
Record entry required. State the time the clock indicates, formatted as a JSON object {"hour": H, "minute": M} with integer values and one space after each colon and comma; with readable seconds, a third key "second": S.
{"hour": 1, "minute": 24}
